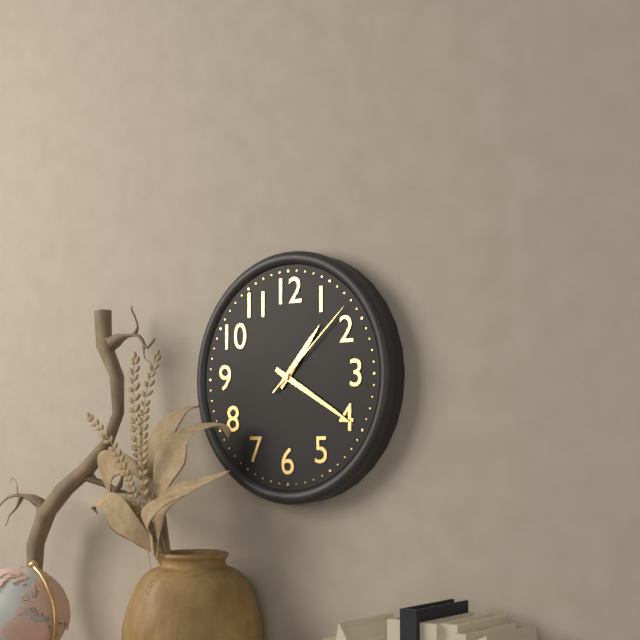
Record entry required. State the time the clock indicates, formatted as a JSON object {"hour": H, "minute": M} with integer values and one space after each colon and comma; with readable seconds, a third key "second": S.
{"hour": 1, "minute": 20, "second": 8}
